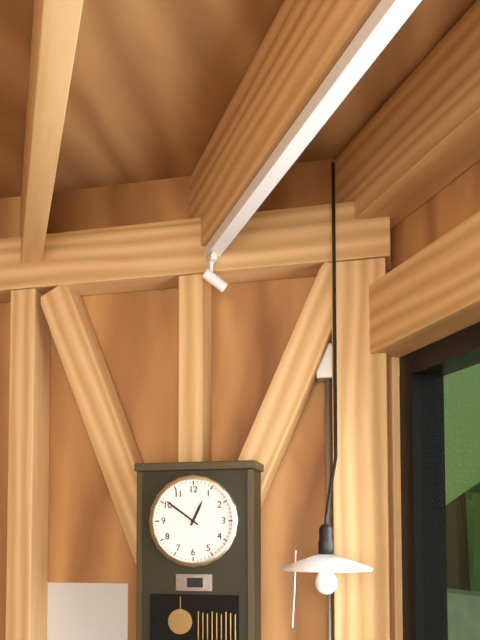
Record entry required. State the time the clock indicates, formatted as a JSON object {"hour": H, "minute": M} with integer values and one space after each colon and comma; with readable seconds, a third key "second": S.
{"hour": 12, "minute": 51}
